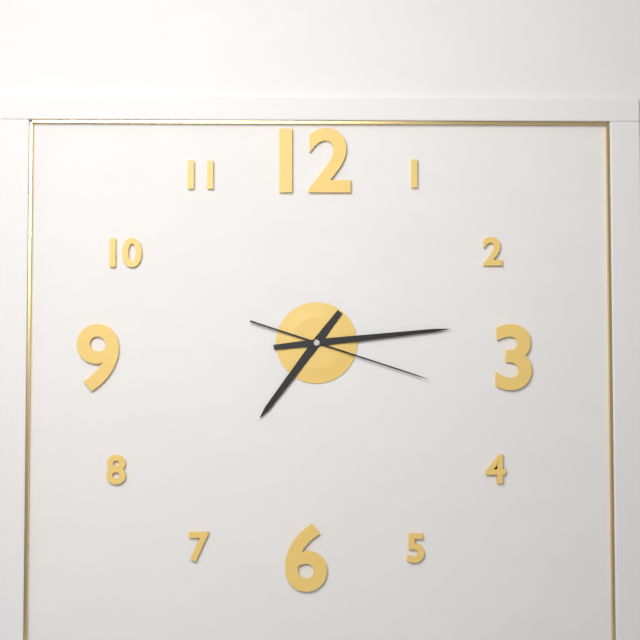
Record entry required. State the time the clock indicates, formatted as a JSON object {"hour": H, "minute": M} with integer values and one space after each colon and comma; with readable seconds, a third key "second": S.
{"hour": 7, "minute": 14, "second": 18}
